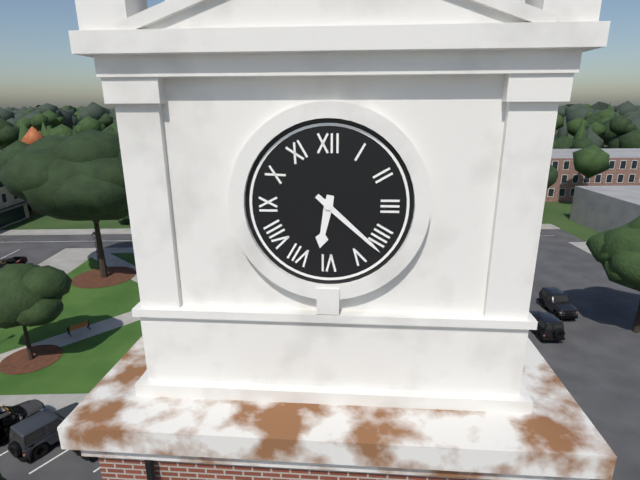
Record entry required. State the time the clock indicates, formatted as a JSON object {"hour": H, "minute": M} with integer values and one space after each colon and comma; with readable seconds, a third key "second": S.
{"hour": 6, "minute": 22}
